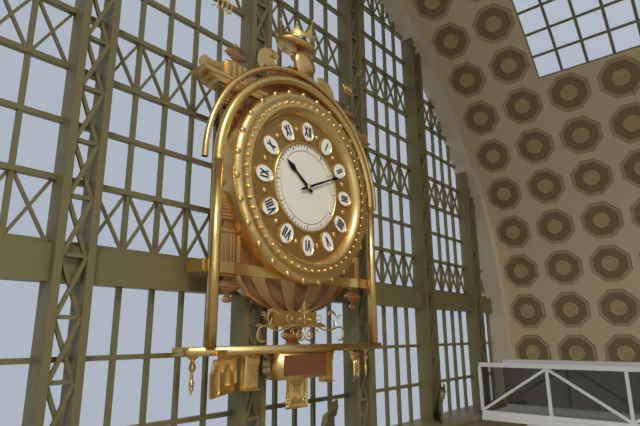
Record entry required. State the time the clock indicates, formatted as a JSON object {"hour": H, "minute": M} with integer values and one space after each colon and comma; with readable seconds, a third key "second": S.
{"hour": 10, "minute": 11}
